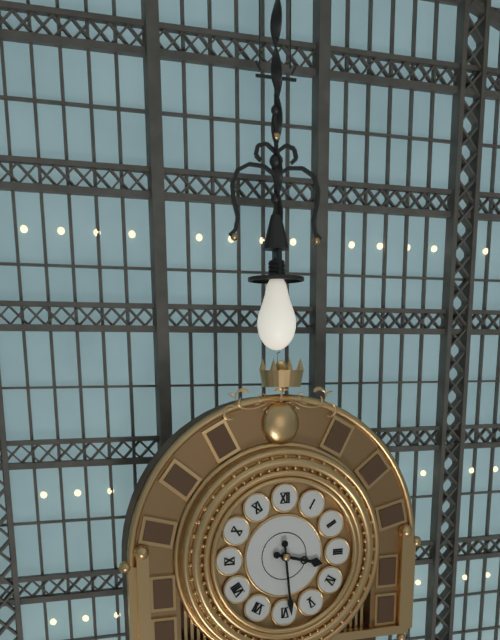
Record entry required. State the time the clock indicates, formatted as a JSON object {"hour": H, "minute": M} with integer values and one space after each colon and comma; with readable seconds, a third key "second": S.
{"hour": 3, "minute": 29}
